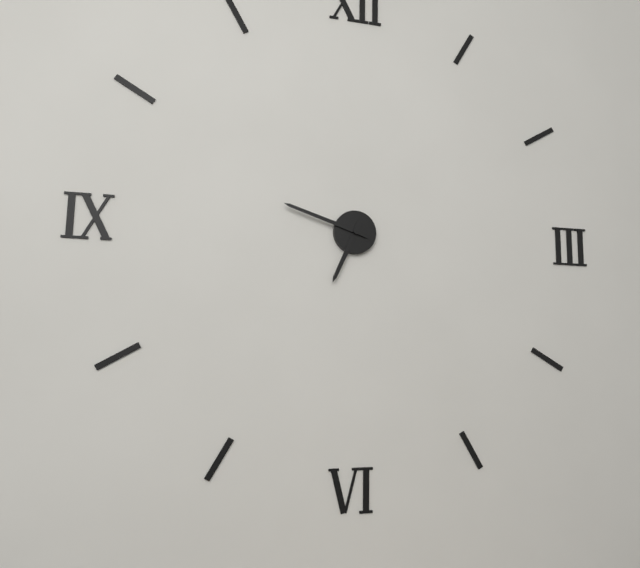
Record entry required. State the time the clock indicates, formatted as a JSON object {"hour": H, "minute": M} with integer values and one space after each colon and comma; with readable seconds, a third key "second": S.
{"hour": 6, "minute": 48}
